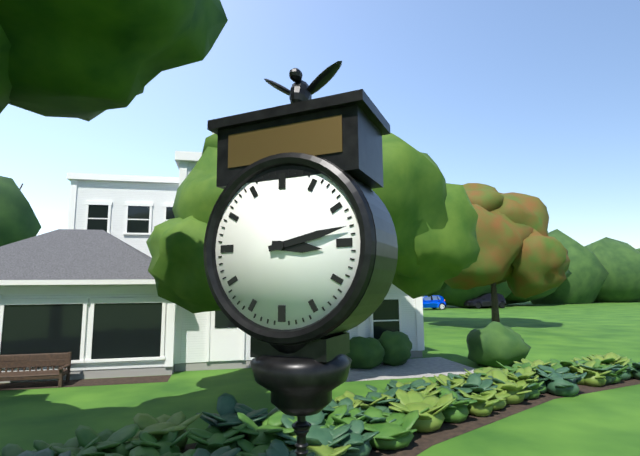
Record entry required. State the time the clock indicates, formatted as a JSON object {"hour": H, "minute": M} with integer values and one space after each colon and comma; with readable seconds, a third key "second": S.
{"hour": 3, "minute": 13}
